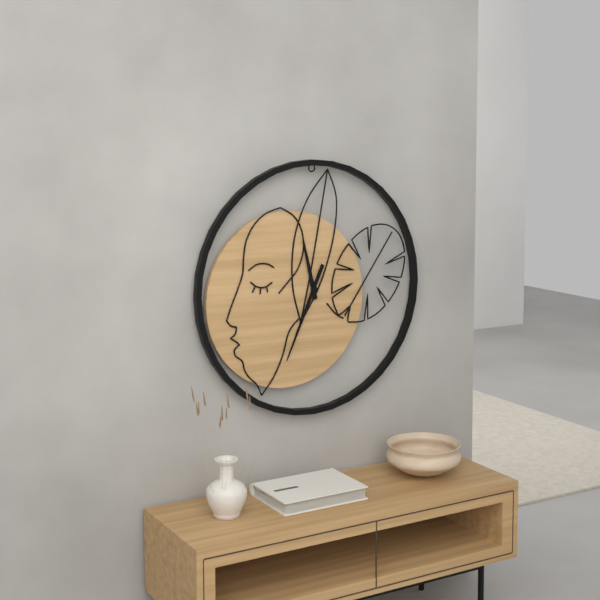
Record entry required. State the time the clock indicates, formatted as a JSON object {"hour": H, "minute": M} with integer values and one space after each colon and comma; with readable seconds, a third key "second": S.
{"hour": 11, "minute": 34}
